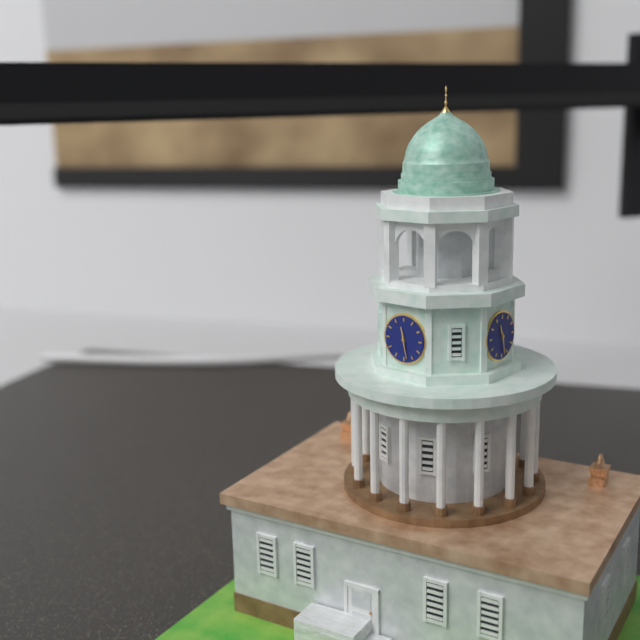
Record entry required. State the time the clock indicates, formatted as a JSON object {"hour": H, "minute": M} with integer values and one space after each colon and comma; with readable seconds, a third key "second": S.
{"hour": 11, "minute": 28}
